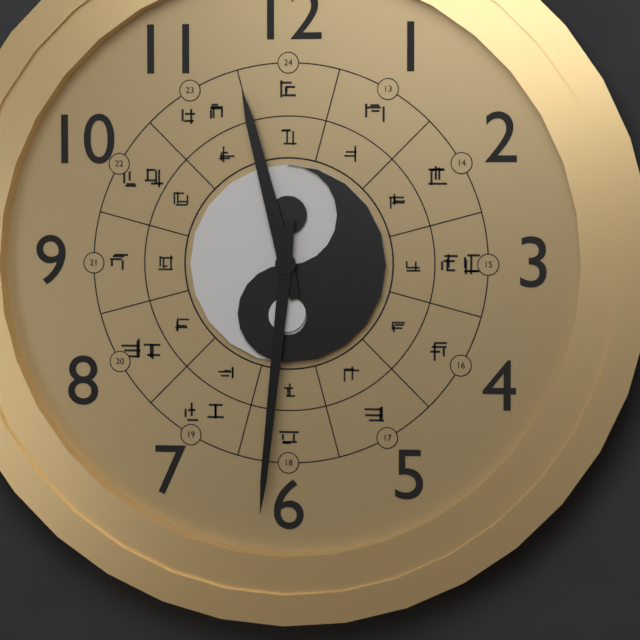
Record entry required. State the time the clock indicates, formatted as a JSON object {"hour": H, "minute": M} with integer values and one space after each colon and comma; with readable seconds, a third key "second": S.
{"hour": 11, "minute": 31}
